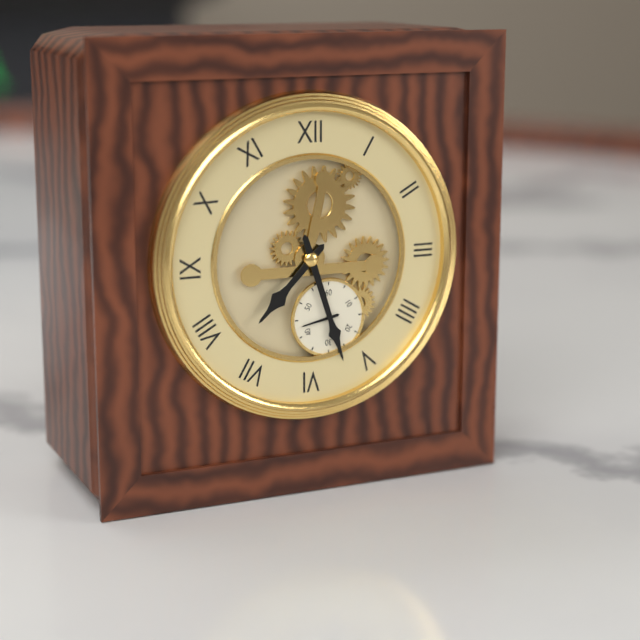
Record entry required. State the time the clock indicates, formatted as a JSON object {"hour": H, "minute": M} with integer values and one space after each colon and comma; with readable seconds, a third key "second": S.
{"hour": 7, "minute": 27}
